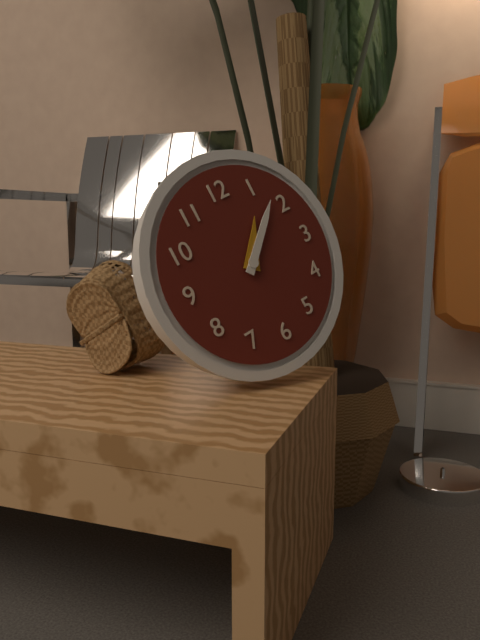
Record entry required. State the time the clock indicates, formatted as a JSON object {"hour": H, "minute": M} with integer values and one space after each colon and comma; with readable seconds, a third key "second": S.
{"hour": 1, "minute": 8}
